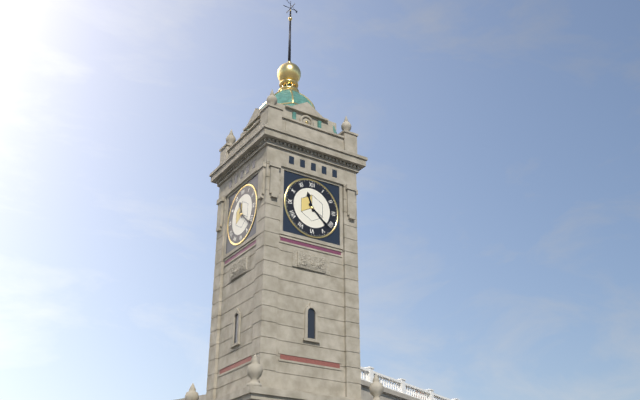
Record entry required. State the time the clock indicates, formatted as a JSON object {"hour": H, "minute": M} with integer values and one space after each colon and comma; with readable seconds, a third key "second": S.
{"hour": 11, "minute": 22}
